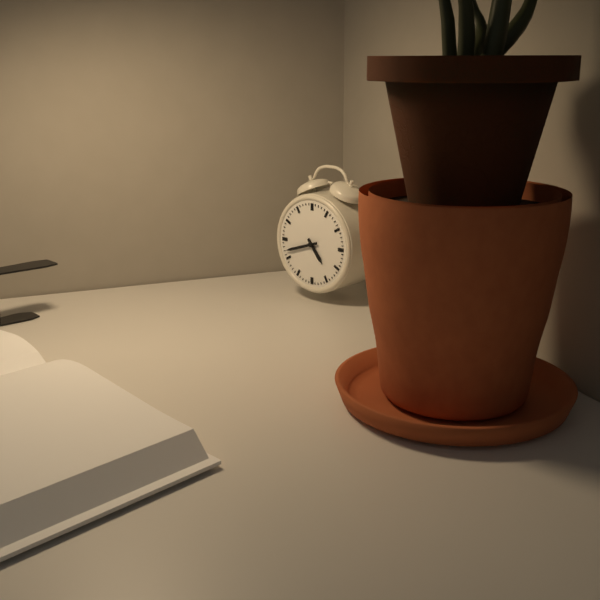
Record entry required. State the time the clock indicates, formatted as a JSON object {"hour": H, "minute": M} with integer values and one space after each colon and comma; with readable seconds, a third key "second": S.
{"hour": 4, "minute": 42}
